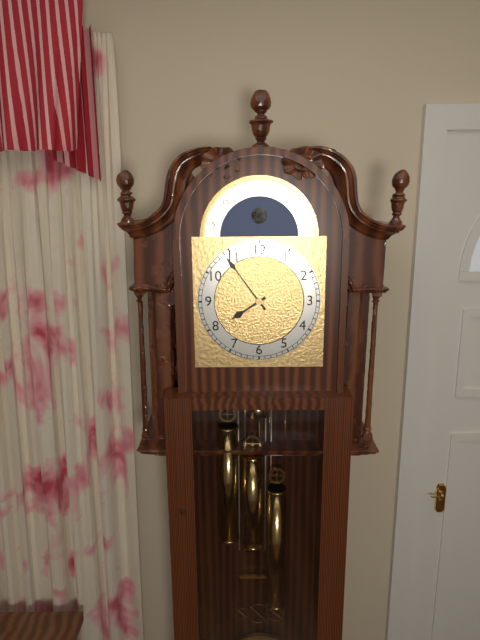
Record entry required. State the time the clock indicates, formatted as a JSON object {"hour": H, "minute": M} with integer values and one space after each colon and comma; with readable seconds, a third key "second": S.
{"hour": 7, "minute": 54}
